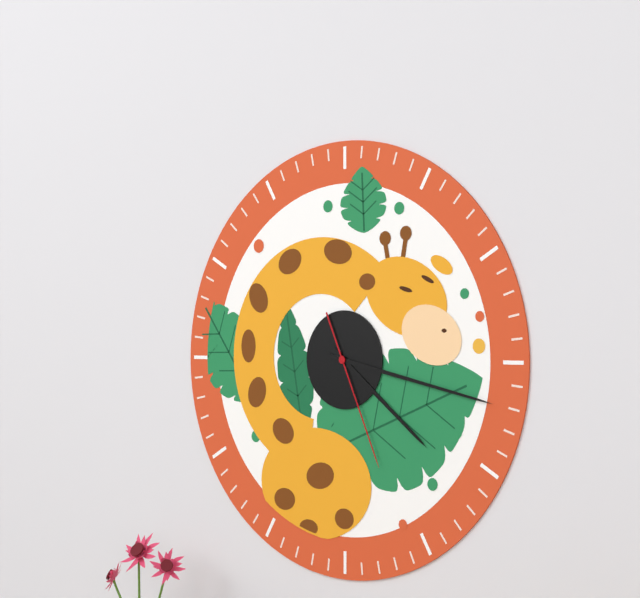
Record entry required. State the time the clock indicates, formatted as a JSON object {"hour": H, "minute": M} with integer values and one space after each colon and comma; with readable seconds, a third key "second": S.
{"hour": 4, "minute": 17, "second": 26}
